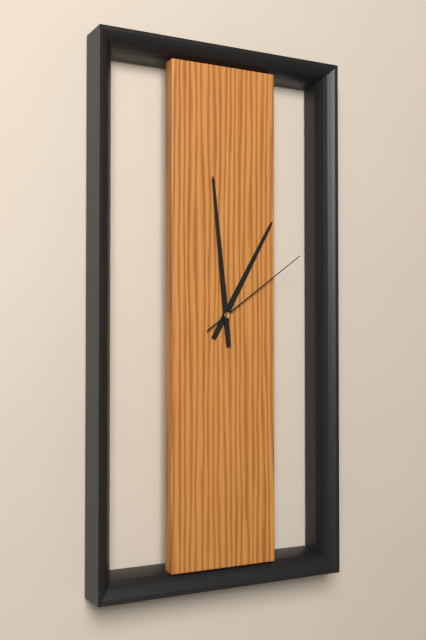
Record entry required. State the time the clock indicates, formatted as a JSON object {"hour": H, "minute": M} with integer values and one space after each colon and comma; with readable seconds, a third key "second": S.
{"hour": 12, "minute": 59, "second": 9}
